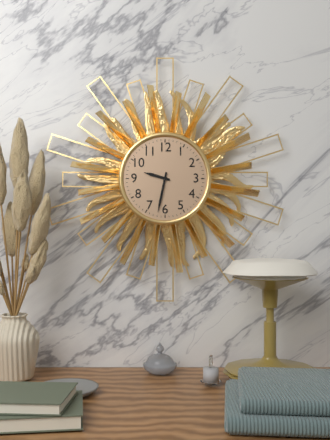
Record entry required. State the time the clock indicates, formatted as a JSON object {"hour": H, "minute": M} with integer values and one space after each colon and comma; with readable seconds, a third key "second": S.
{"hour": 9, "minute": 32}
